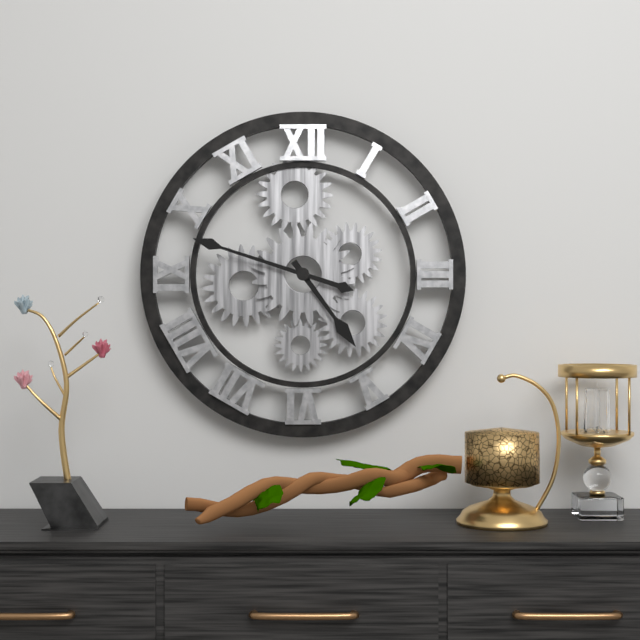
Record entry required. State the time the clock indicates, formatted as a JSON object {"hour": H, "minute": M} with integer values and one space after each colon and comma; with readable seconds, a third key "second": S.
{"hour": 4, "minute": 48}
